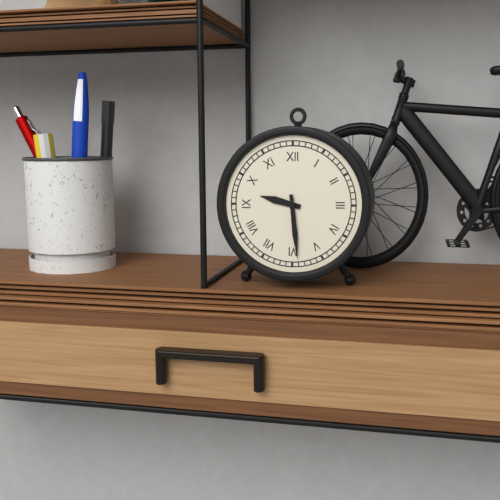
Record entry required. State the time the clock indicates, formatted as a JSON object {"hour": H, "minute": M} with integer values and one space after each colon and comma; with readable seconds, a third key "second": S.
{"hour": 9, "minute": 29}
